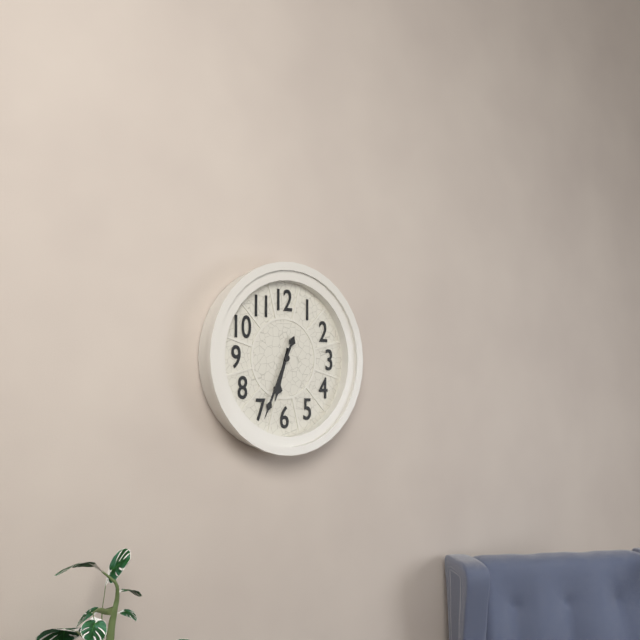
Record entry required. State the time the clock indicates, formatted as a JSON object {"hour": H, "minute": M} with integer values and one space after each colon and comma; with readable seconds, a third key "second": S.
{"hour": 6, "minute": 34}
